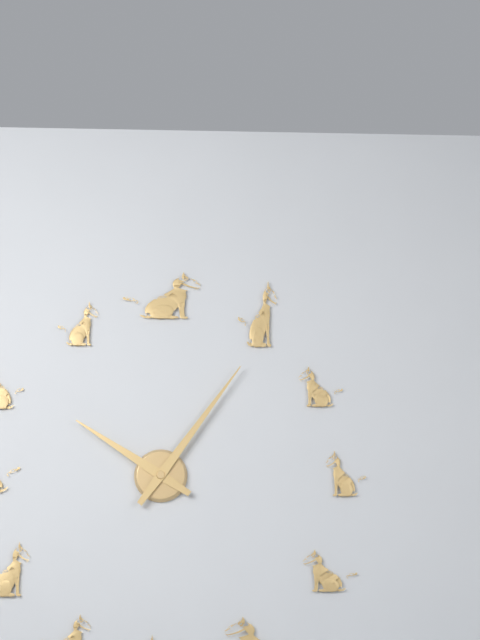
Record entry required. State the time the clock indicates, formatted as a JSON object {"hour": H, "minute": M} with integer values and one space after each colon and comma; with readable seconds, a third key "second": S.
{"hour": 10, "minute": 6}
